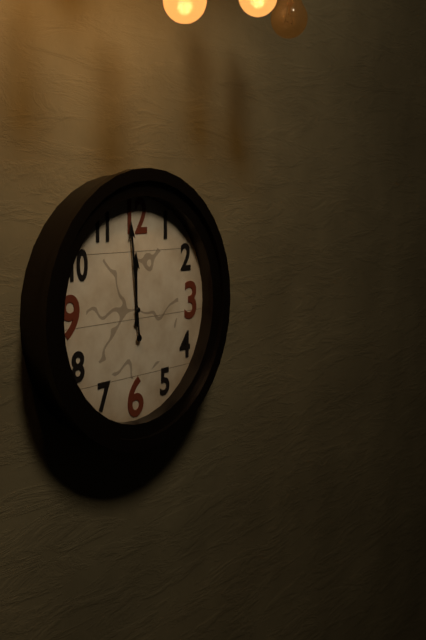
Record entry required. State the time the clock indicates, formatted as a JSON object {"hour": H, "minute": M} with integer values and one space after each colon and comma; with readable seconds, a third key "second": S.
{"hour": 11, "minute": 59}
